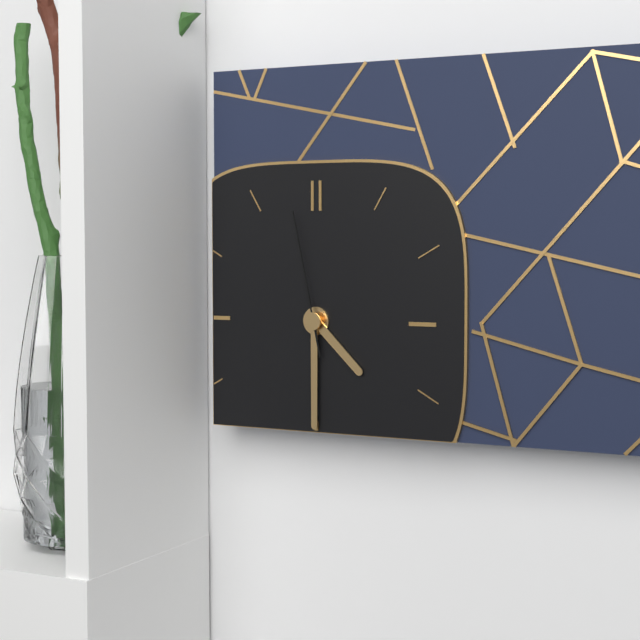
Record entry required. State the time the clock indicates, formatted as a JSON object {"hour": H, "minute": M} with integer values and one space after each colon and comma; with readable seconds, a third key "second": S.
{"hour": 4, "minute": 30, "second": 58}
